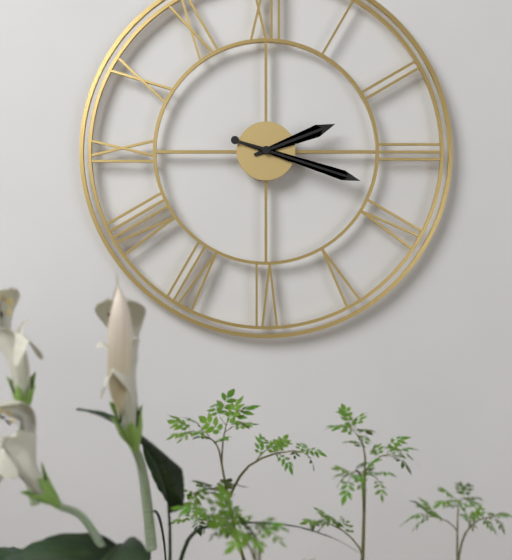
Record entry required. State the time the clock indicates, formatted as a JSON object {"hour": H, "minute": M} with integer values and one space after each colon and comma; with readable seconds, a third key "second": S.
{"hour": 2, "minute": 18}
